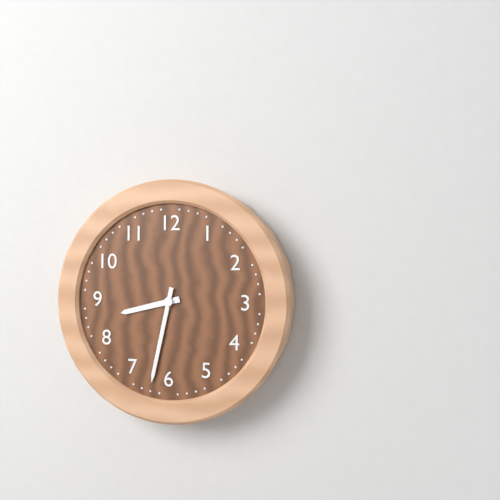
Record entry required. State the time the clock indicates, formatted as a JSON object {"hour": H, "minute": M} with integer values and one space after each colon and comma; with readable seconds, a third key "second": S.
{"hour": 8, "minute": 32}
